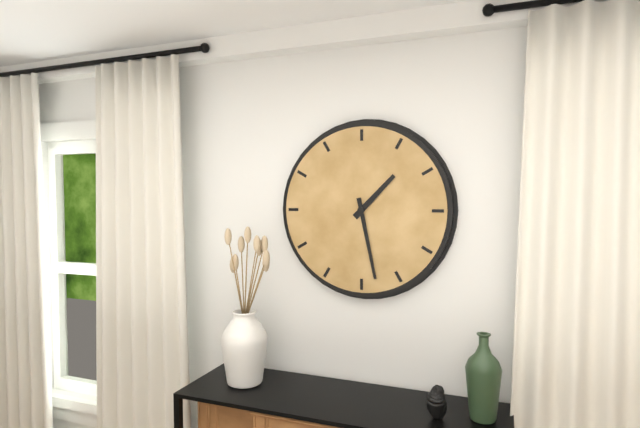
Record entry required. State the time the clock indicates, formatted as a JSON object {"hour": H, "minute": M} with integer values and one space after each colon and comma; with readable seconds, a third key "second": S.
{"hour": 1, "minute": 28}
